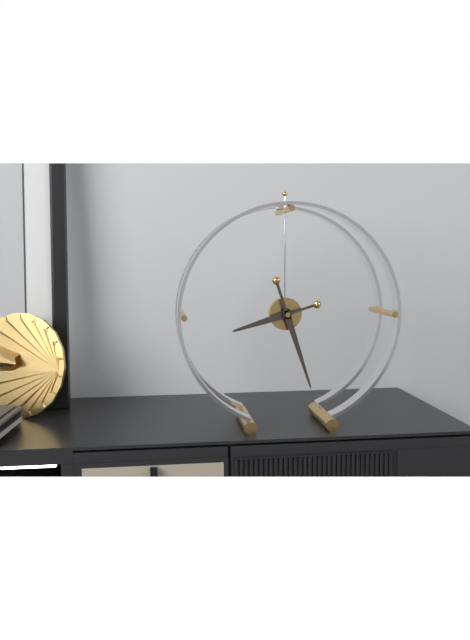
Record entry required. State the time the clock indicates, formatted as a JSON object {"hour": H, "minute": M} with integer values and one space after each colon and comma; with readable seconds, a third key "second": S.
{"hour": 8, "minute": 27}
